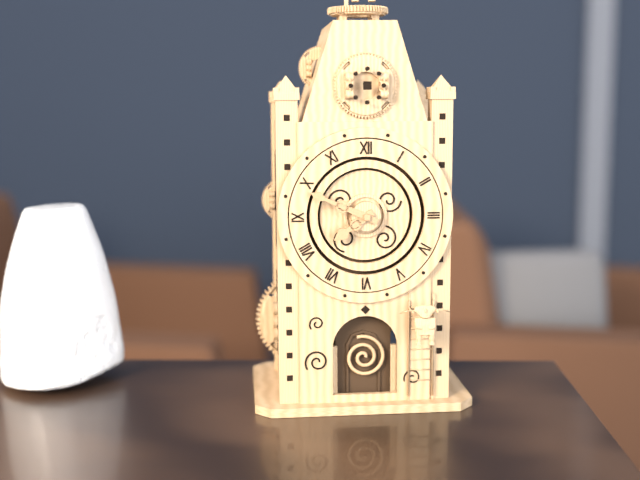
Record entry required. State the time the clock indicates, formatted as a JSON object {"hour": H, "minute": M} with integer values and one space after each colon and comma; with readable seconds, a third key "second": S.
{"hour": 7, "minute": 49}
